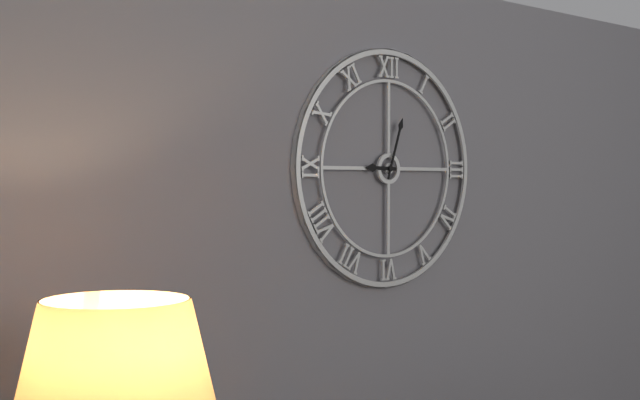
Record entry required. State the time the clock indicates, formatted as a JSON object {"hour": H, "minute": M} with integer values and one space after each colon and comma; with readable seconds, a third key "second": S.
{"hour": 9, "minute": 3}
